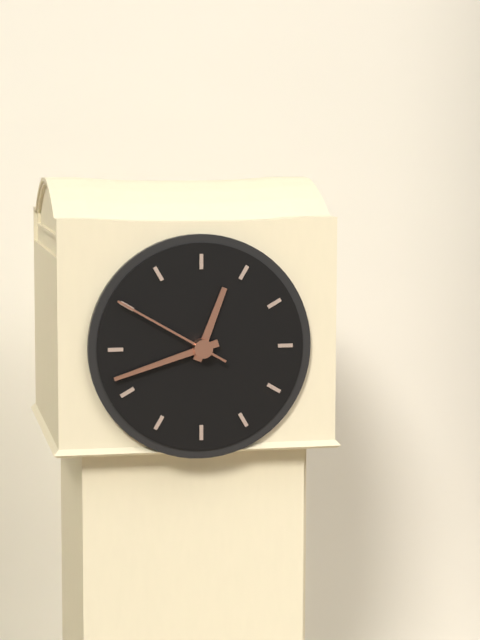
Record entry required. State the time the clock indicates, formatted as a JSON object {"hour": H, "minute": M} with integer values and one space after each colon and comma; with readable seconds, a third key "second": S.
{"hour": 12, "minute": 42, "second": 50}
